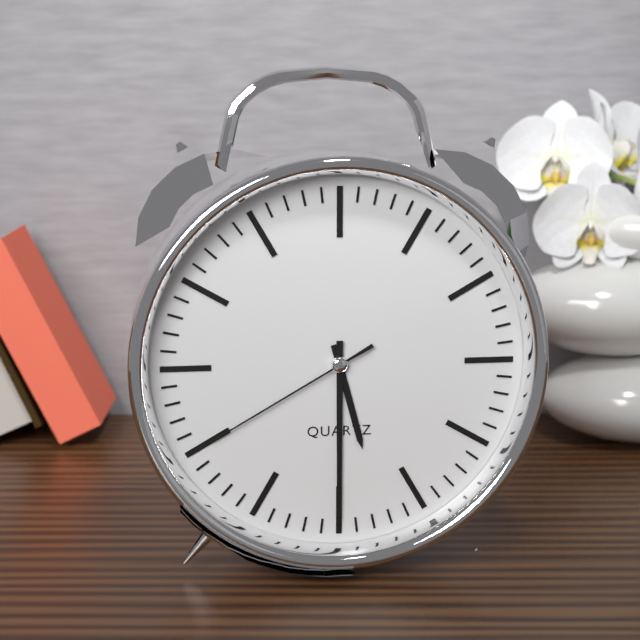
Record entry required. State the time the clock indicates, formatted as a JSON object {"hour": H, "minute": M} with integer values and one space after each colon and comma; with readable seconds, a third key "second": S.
{"hour": 5, "minute": 30, "second": 40}
